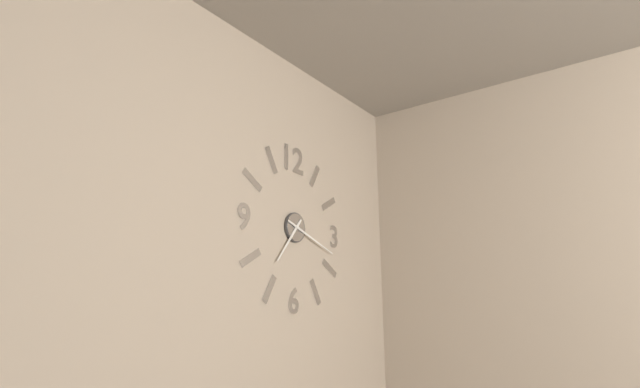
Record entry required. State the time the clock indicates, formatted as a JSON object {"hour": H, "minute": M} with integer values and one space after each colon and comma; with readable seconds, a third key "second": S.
{"hour": 7, "minute": 18}
